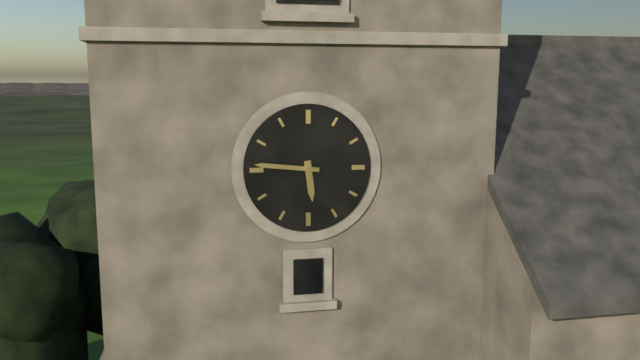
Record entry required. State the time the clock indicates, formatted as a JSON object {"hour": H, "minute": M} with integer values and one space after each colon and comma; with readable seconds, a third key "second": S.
{"hour": 5, "minute": 46}
